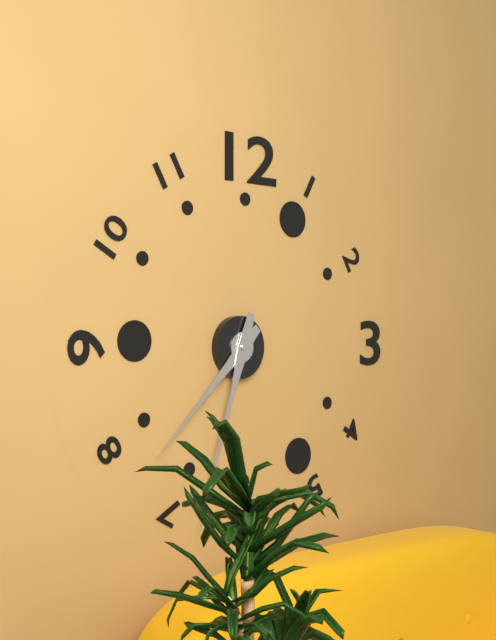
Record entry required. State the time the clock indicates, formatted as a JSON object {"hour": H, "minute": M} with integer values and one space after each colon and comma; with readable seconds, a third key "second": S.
{"hour": 7, "minute": 33}
